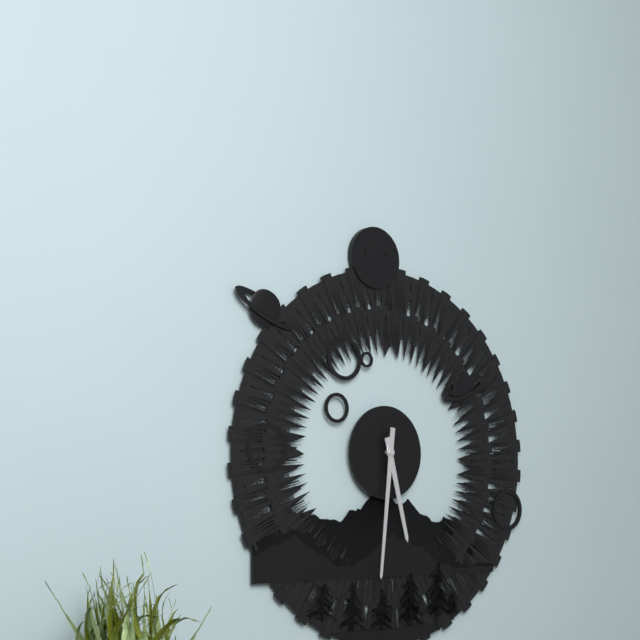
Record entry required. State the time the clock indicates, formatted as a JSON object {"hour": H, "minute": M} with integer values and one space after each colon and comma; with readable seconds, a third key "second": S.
{"hour": 5, "minute": 31}
